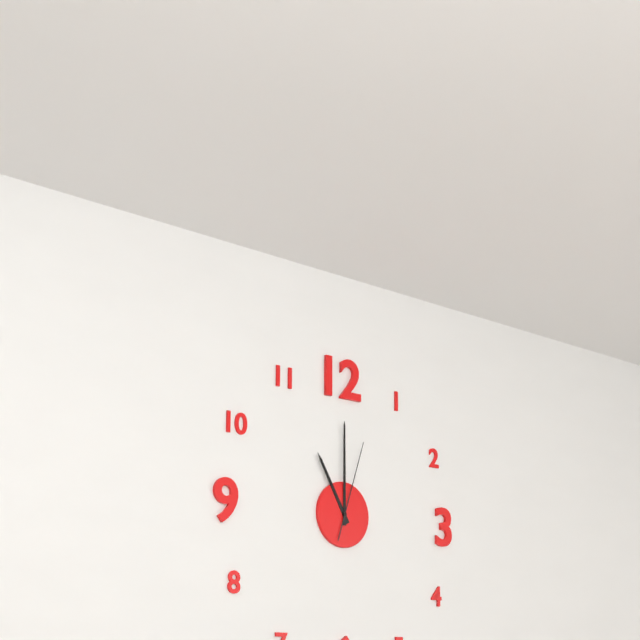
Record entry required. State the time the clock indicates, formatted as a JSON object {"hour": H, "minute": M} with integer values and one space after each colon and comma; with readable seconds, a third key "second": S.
{"hour": 11, "minute": 0, "second": 3}
